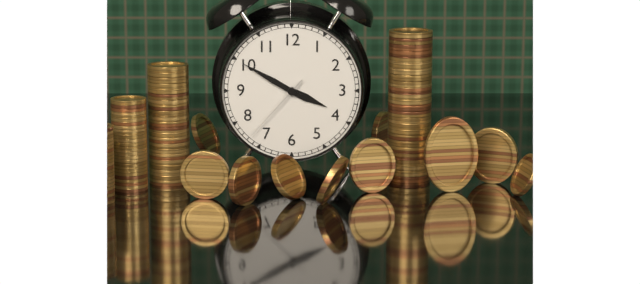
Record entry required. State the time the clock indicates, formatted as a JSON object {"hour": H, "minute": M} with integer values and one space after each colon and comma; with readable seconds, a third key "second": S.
{"hour": 3, "minute": 50, "second": 37}
